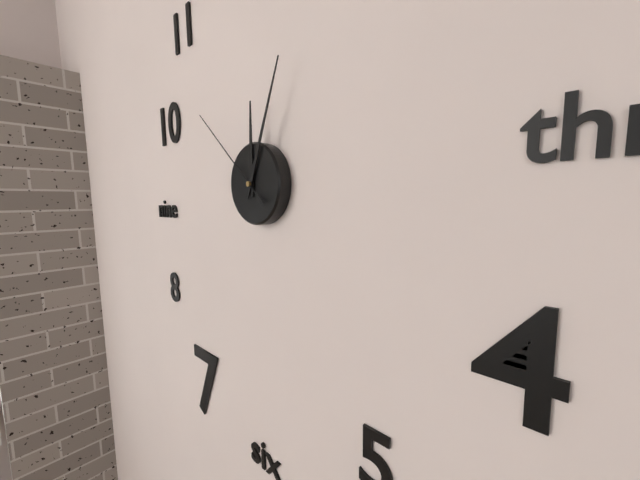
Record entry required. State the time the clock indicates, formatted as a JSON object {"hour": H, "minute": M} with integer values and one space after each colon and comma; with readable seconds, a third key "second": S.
{"hour": 12, "minute": 4, "second": 52}
